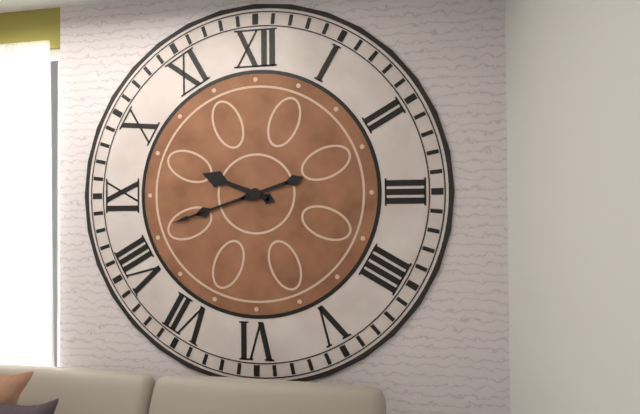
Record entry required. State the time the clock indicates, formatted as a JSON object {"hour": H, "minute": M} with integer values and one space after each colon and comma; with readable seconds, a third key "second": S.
{"hour": 9, "minute": 42}
